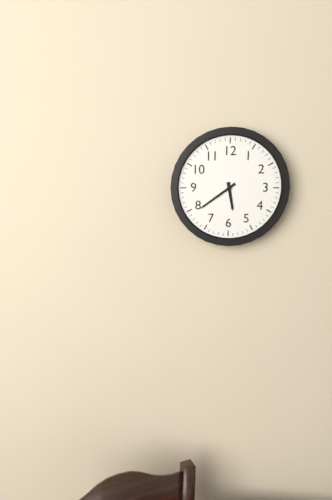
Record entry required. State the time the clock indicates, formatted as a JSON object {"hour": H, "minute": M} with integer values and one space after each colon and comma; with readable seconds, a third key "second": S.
{"hour": 5, "minute": 39}
